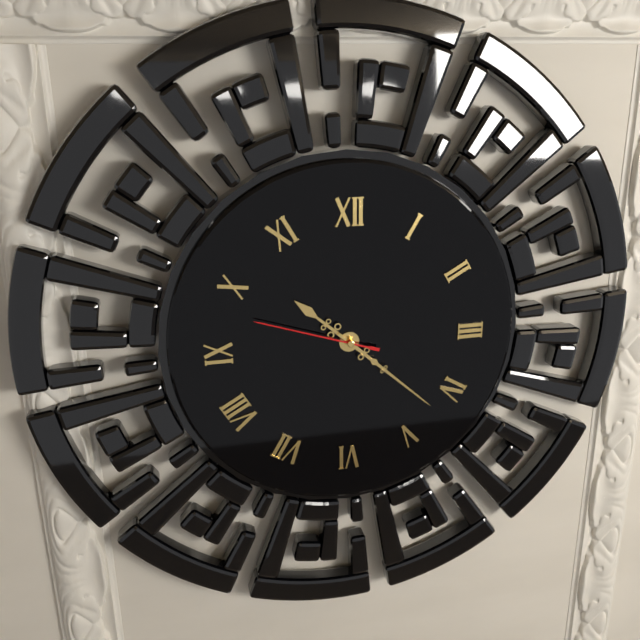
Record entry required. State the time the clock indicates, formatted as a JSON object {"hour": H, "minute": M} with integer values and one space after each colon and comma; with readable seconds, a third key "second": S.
{"hour": 10, "minute": 22, "second": 48}
